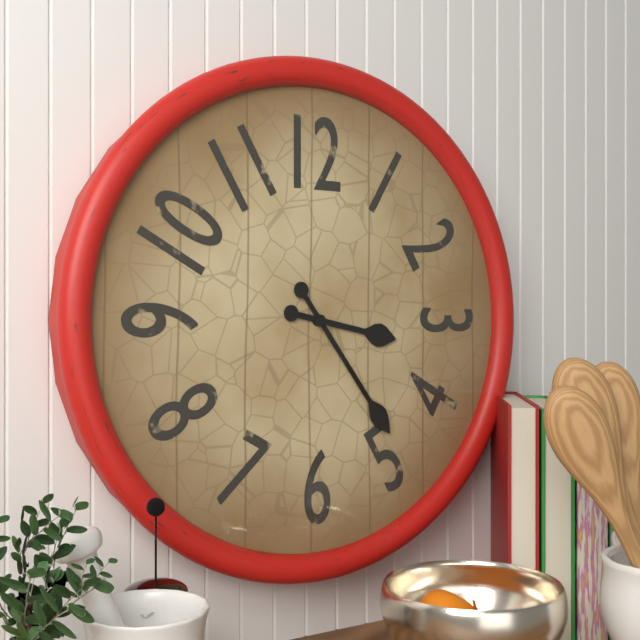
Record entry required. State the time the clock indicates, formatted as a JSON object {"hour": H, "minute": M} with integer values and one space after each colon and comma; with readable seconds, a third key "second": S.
{"hour": 3, "minute": 24}
